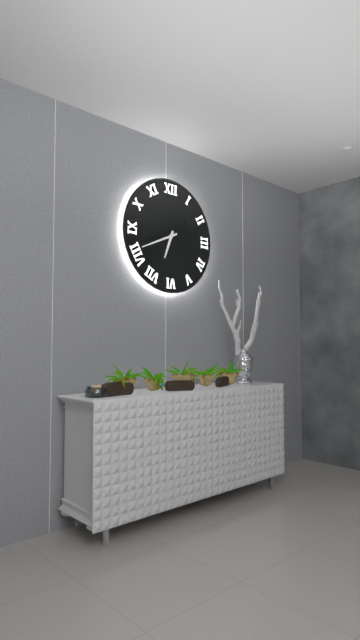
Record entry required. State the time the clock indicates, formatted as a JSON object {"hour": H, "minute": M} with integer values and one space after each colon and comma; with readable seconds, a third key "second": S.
{"hour": 6, "minute": 41}
